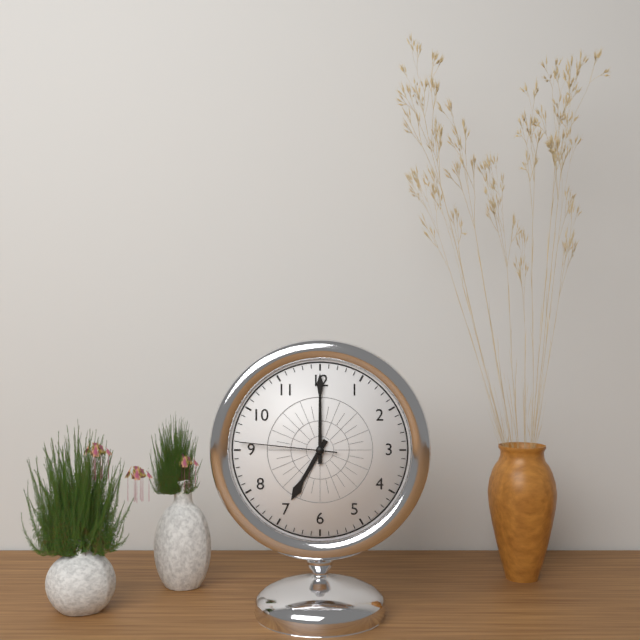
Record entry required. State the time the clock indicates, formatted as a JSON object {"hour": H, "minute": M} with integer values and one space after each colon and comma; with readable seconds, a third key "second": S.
{"hour": 7, "minute": 0, "second": 46}
